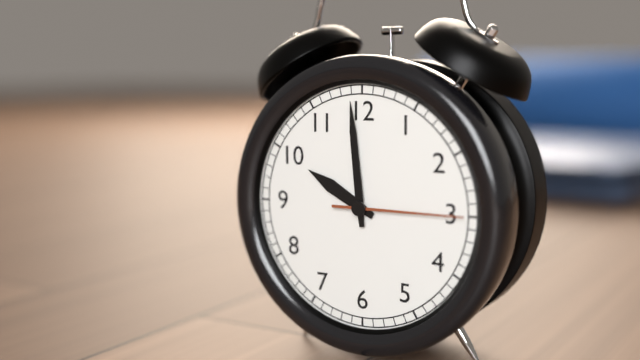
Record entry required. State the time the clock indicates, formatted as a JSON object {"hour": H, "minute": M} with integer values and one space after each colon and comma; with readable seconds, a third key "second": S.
{"hour": 9, "minute": 59, "second": 15}
